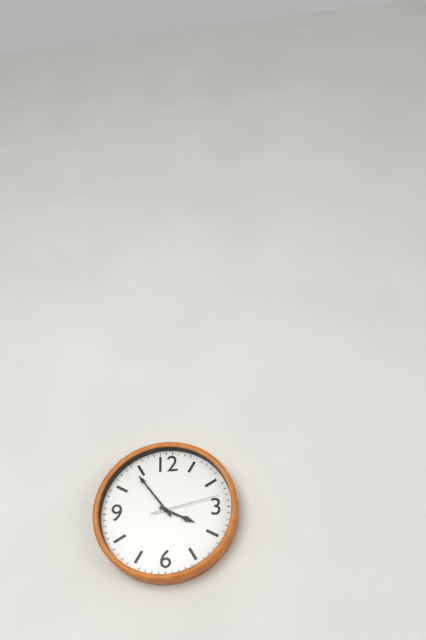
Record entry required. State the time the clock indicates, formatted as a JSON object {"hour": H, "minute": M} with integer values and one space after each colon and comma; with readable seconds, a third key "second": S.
{"hour": 3, "minute": 54, "second": 13}
